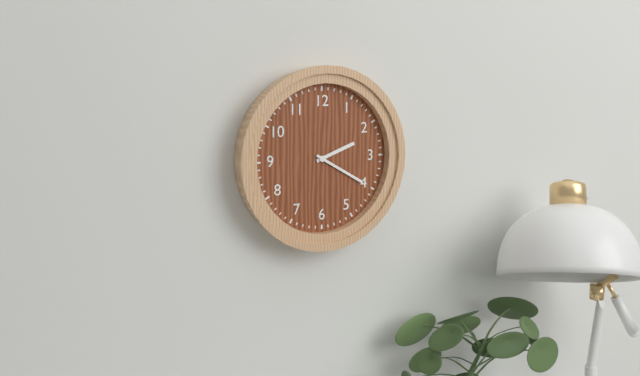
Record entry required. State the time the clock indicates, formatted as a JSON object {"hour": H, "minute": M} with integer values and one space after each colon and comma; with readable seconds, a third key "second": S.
{"hour": 2, "minute": 20}
